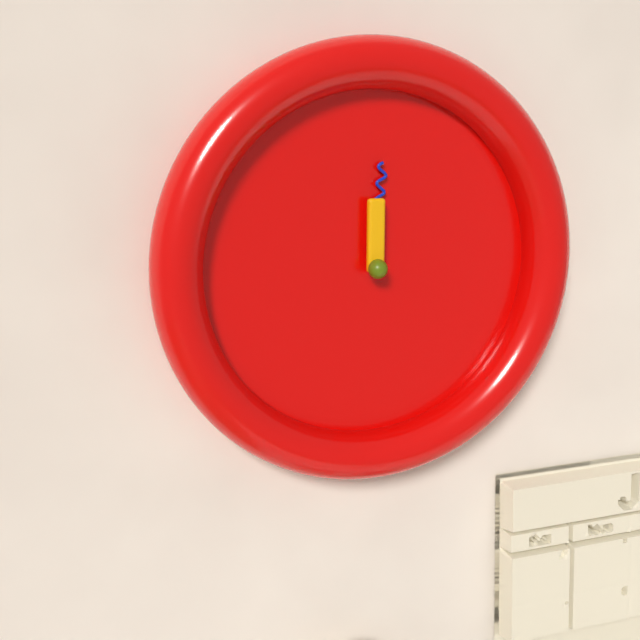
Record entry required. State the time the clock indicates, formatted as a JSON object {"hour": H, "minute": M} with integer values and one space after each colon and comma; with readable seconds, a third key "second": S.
{"hour": 12, "minute": 1}
